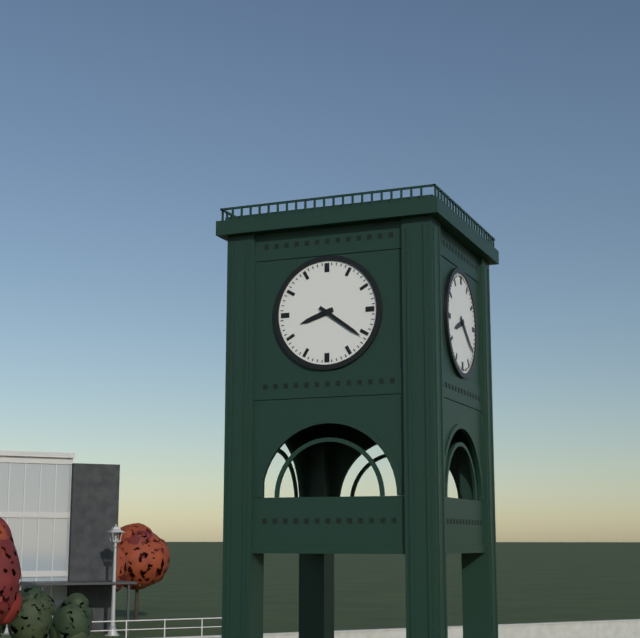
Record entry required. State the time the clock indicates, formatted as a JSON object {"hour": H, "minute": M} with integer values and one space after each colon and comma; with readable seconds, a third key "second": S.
{"hour": 8, "minute": 21}
